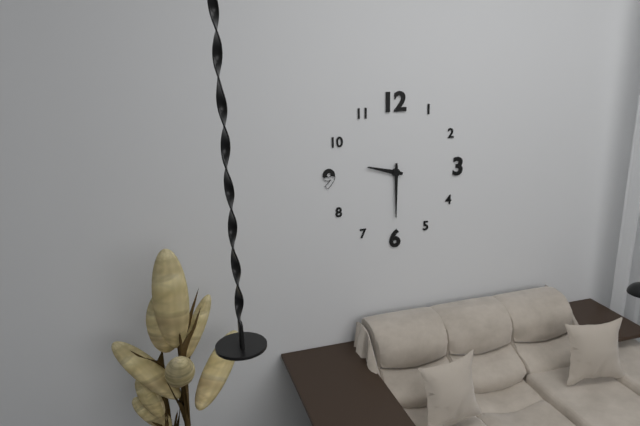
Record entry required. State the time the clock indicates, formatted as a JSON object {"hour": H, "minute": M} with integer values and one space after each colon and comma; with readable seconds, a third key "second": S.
{"hour": 9, "minute": 30}
